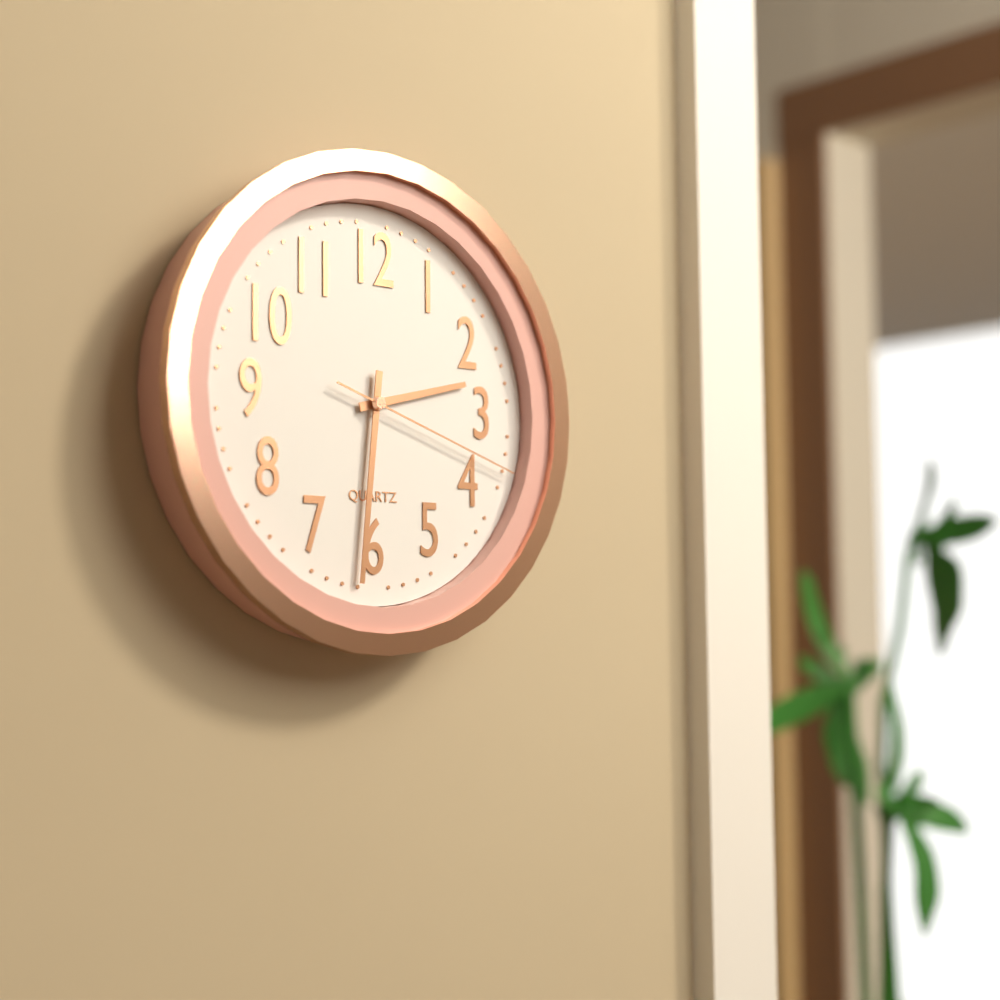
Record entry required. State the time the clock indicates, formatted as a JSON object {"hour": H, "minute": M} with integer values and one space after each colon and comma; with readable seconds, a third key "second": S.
{"hour": 2, "minute": 31, "second": 18}
